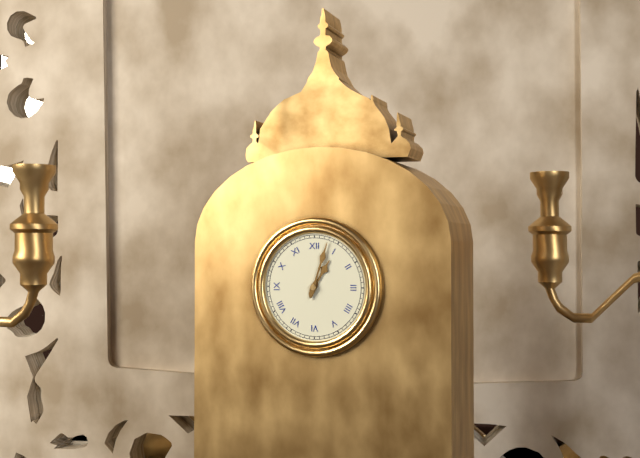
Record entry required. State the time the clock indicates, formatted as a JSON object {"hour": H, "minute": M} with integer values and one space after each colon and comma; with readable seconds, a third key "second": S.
{"hour": 1, "minute": 3}
